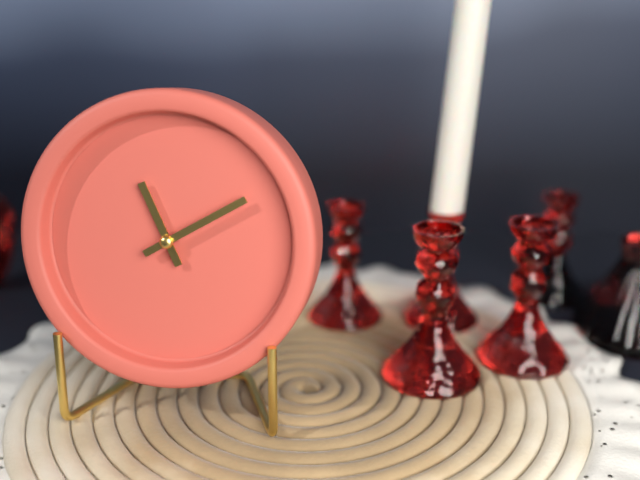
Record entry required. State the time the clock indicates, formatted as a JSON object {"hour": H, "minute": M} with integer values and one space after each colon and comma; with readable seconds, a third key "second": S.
{"hour": 11, "minute": 10}
